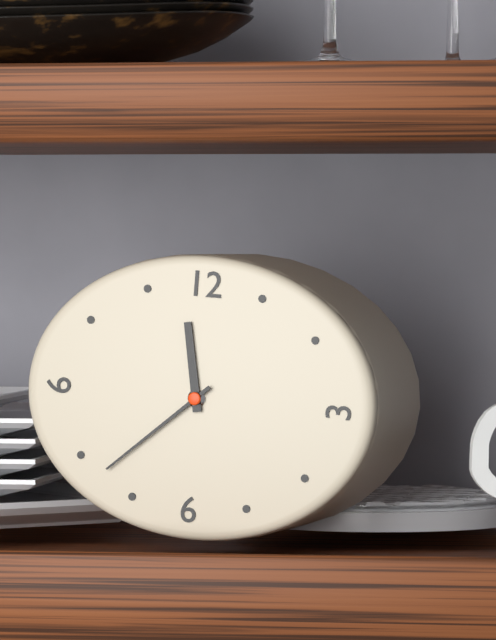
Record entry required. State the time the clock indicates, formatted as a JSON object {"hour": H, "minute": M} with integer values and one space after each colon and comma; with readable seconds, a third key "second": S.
{"hour": 11, "minute": 38}
